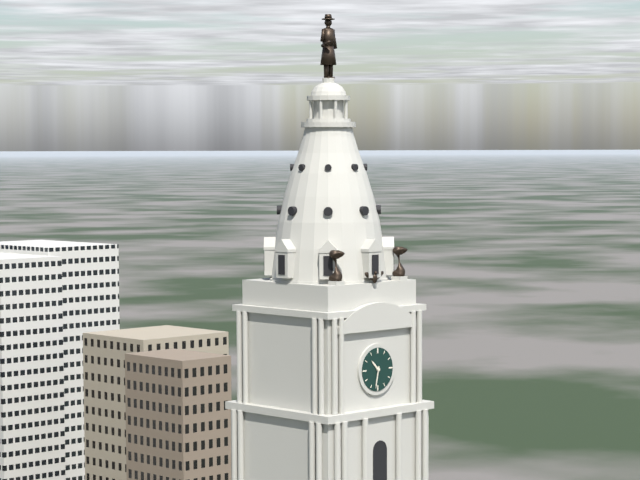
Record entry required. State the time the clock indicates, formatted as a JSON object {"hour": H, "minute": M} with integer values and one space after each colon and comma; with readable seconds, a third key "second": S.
{"hour": 10, "minute": 32}
